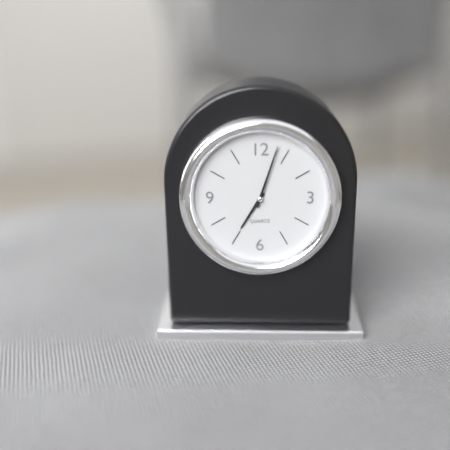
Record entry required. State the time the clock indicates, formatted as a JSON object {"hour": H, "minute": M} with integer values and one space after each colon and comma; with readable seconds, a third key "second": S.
{"hour": 7, "minute": 3}
